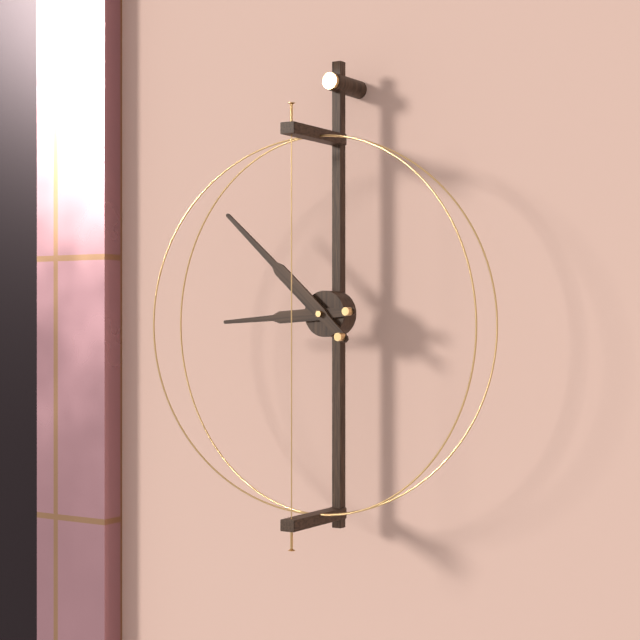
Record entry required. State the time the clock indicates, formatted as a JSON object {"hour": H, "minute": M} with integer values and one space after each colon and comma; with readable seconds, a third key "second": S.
{"hour": 8, "minute": 52}
